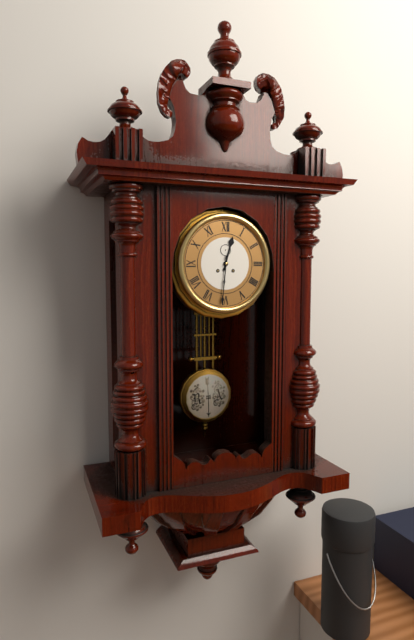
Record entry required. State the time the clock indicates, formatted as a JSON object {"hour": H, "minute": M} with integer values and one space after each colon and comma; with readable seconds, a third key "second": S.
{"hour": 12, "minute": 31}
